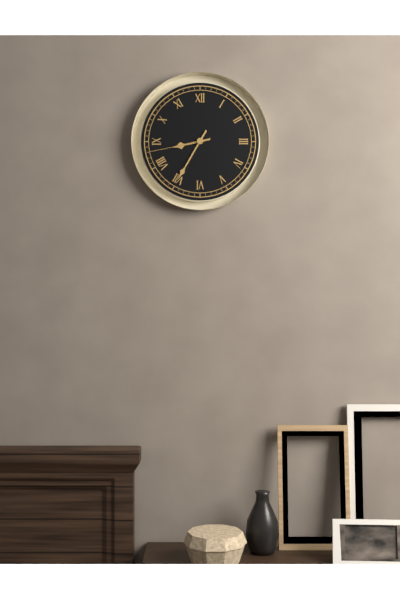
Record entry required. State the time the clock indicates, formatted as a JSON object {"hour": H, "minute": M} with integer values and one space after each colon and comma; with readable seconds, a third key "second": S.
{"hour": 8, "minute": 35, "second": 43}
